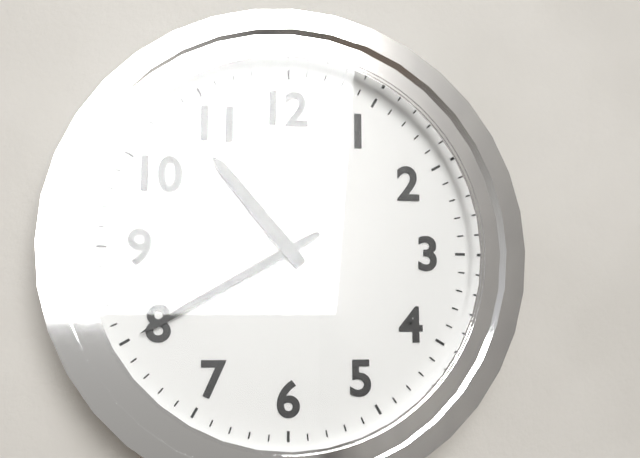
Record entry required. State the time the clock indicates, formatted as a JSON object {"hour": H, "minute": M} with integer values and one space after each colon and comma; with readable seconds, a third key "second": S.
{"hour": 10, "minute": 40}
